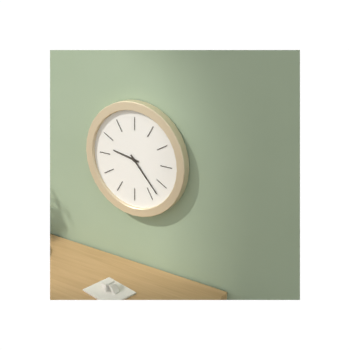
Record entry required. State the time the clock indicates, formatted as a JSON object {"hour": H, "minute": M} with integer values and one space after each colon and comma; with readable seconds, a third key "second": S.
{"hour": 9, "minute": 23}
